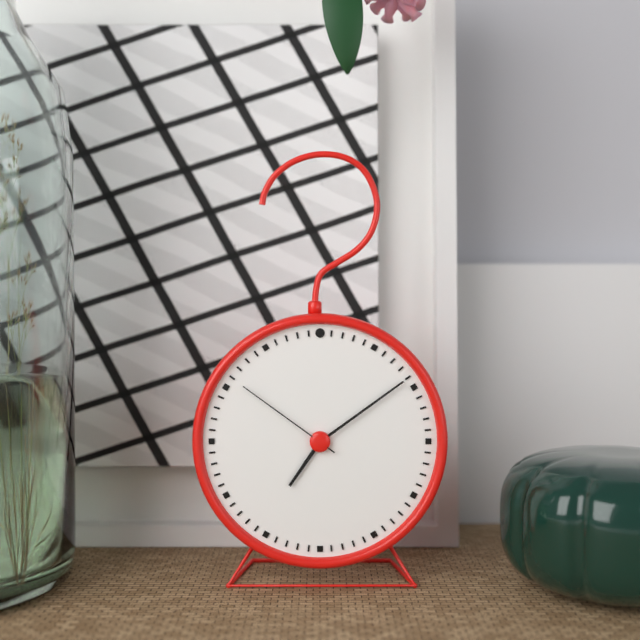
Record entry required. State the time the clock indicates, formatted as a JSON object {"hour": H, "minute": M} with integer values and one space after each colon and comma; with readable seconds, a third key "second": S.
{"hour": 7, "minute": 9, "second": 51}
